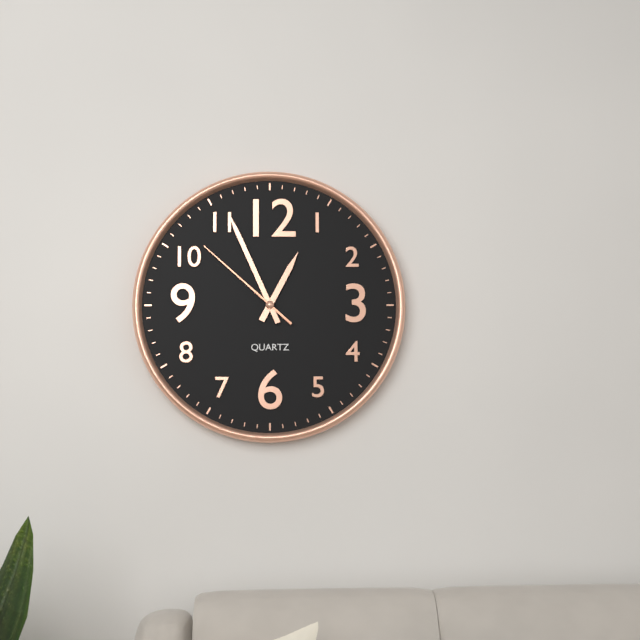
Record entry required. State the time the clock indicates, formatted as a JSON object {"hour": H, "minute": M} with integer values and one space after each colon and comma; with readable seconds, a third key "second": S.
{"hour": 12, "minute": 56, "second": 52}
